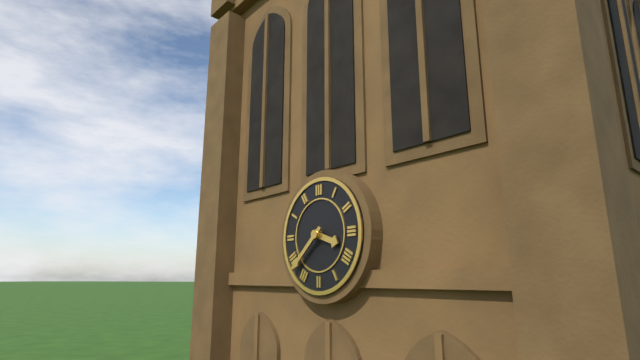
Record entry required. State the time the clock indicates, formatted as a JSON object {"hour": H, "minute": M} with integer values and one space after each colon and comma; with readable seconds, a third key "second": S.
{"hour": 3, "minute": 38}
